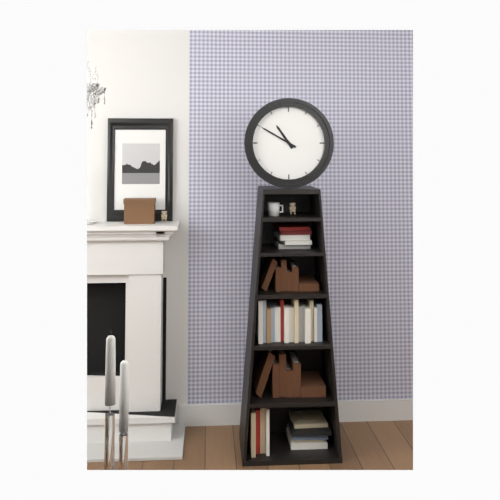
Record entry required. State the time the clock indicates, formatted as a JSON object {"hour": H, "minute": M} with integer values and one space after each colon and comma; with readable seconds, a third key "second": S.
{"hour": 10, "minute": 50}
